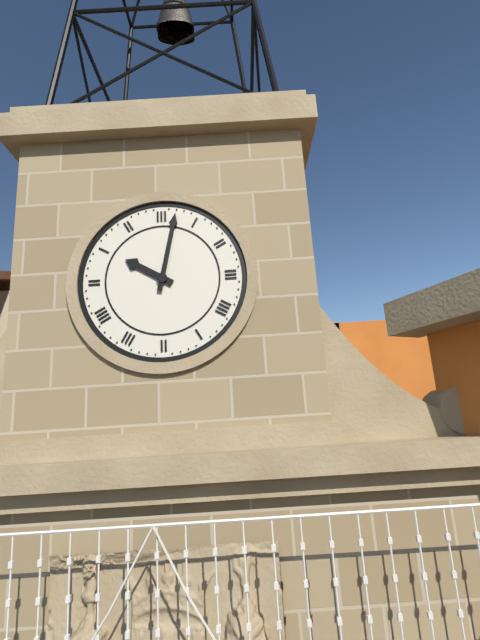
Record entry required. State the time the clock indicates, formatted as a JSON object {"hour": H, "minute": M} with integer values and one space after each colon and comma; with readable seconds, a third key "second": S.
{"hour": 10, "minute": 2}
